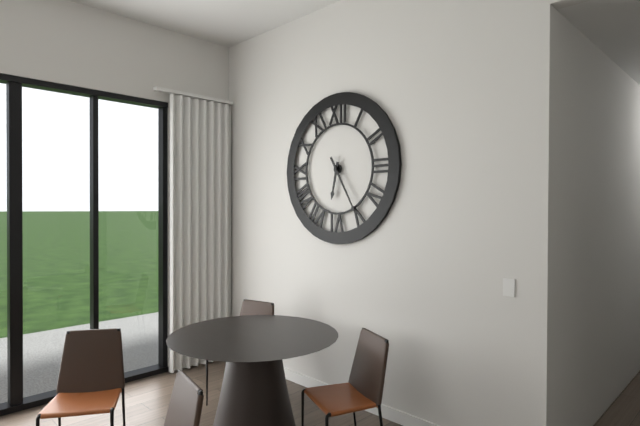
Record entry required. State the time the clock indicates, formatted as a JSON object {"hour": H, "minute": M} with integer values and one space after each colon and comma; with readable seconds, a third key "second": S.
{"hour": 6, "minute": 25}
